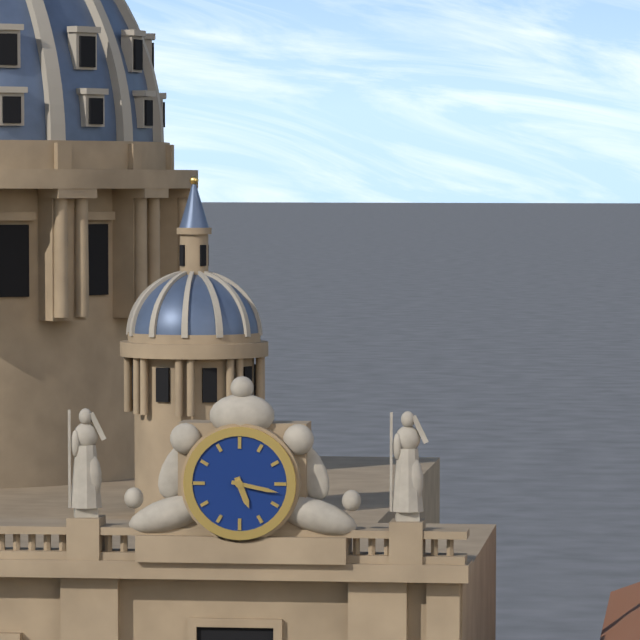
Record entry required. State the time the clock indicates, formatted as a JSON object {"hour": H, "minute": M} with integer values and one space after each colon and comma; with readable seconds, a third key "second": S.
{"hour": 5, "minute": 17}
